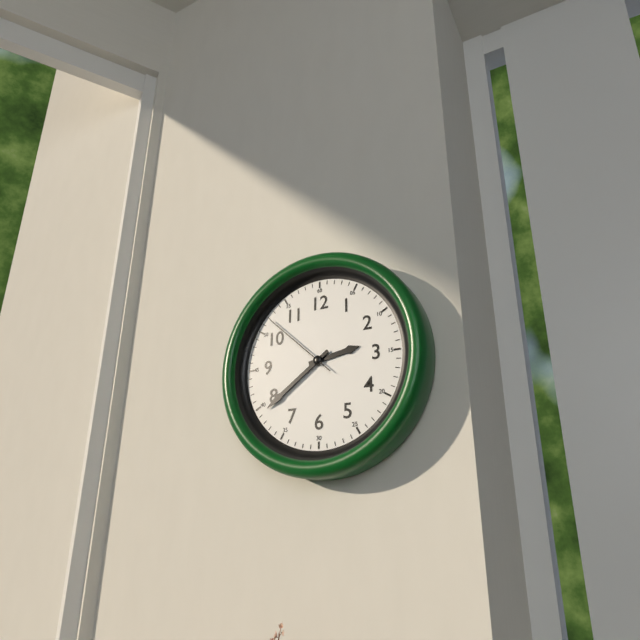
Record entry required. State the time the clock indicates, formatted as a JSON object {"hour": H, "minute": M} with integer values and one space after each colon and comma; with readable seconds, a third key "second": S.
{"hour": 2, "minute": 39, "second": 52}
